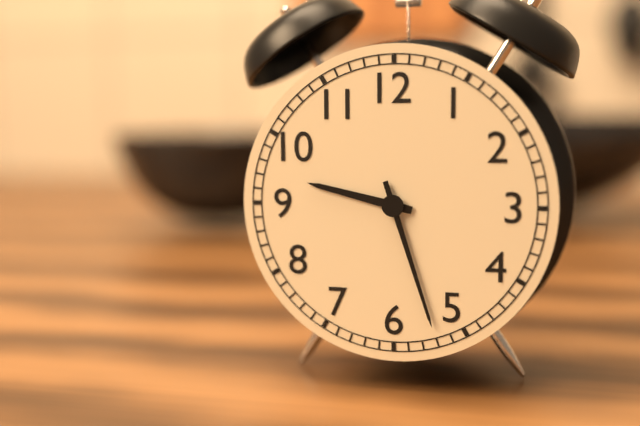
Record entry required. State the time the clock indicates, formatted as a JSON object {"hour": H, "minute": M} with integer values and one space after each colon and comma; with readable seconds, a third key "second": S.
{"hour": 9, "minute": 27}
